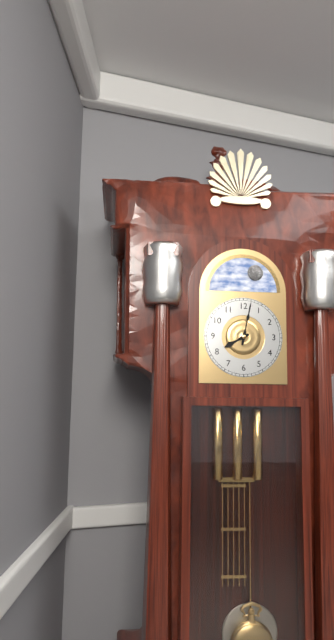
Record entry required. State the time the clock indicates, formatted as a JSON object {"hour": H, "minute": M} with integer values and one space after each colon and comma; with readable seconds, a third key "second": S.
{"hour": 8, "minute": 2}
